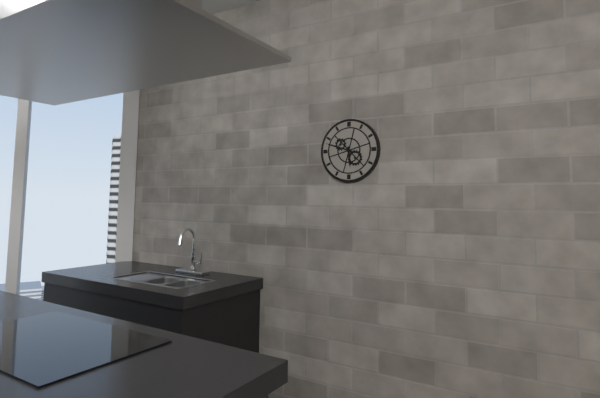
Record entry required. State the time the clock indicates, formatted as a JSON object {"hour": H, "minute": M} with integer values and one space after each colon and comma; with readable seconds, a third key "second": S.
{"hour": 5, "minute": 48}
